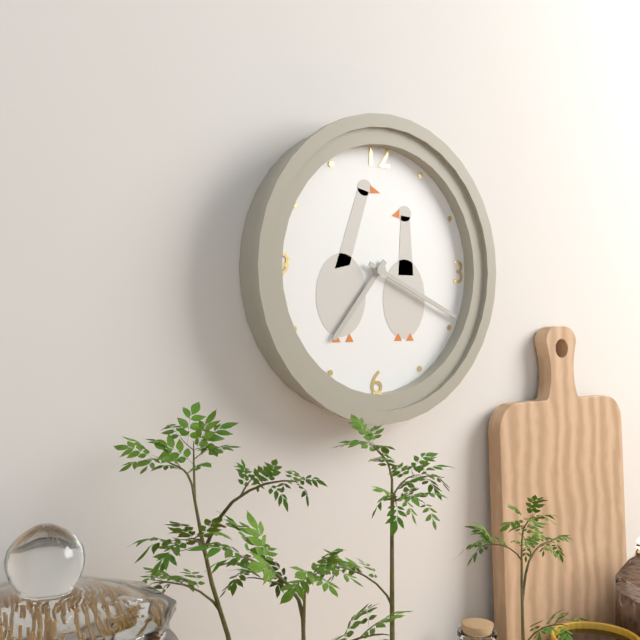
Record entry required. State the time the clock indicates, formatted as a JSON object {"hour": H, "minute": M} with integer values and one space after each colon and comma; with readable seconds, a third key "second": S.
{"hour": 7, "minute": 19}
